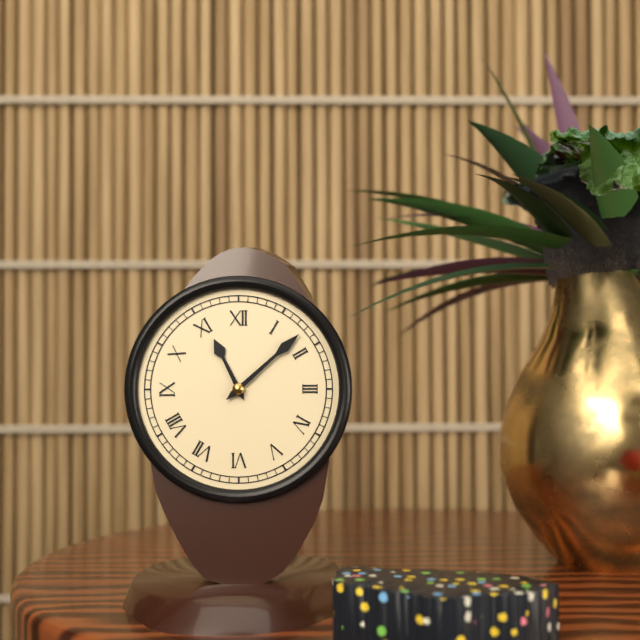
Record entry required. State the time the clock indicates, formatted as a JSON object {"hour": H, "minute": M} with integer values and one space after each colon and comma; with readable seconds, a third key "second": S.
{"hour": 11, "minute": 8}
